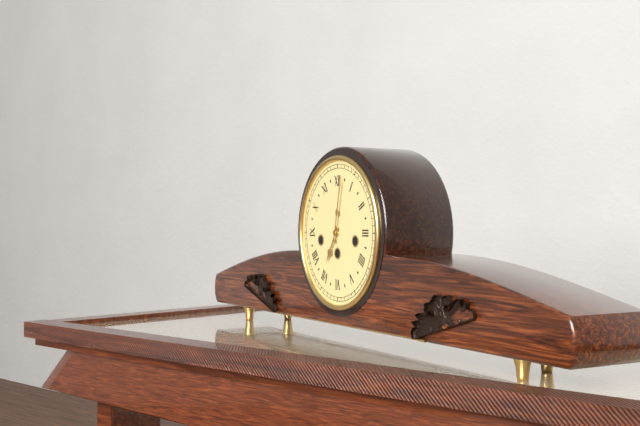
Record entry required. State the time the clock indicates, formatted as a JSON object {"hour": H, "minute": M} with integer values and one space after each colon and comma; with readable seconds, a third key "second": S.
{"hour": 7, "minute": 2}
